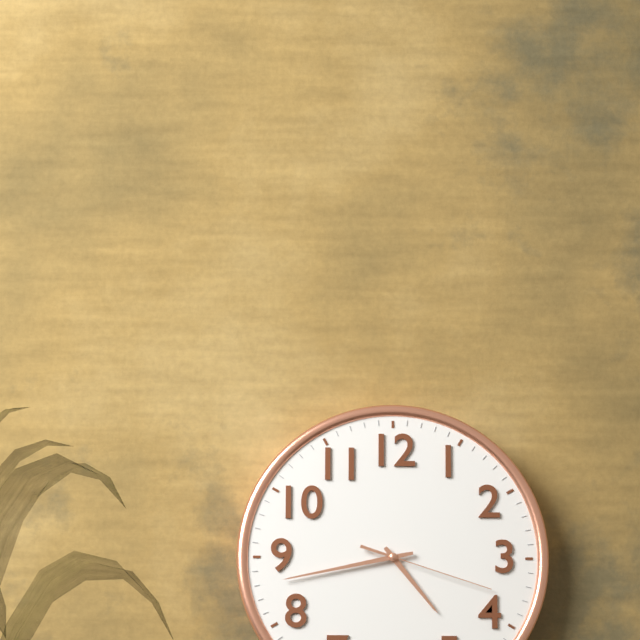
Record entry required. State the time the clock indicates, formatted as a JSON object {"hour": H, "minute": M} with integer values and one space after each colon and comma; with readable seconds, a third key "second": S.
{"hour": 4, "minute": 43, "second": 18}
